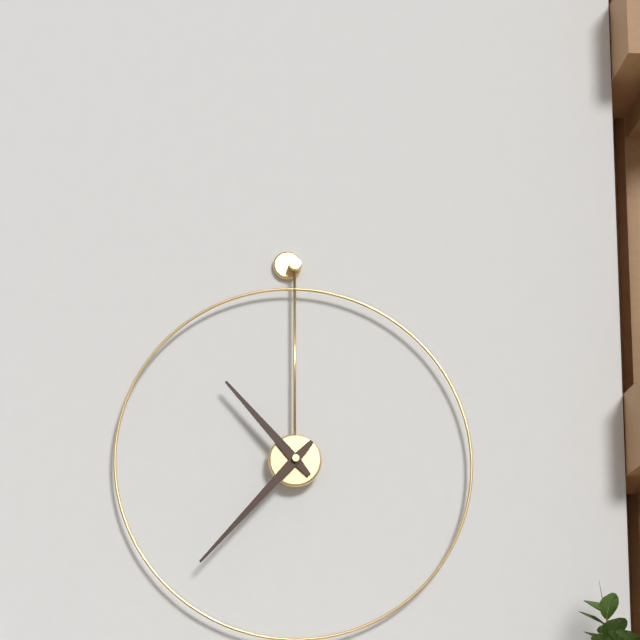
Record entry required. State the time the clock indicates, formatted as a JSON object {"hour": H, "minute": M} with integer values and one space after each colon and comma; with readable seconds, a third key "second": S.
{"hour": 10, "minute": 37}
